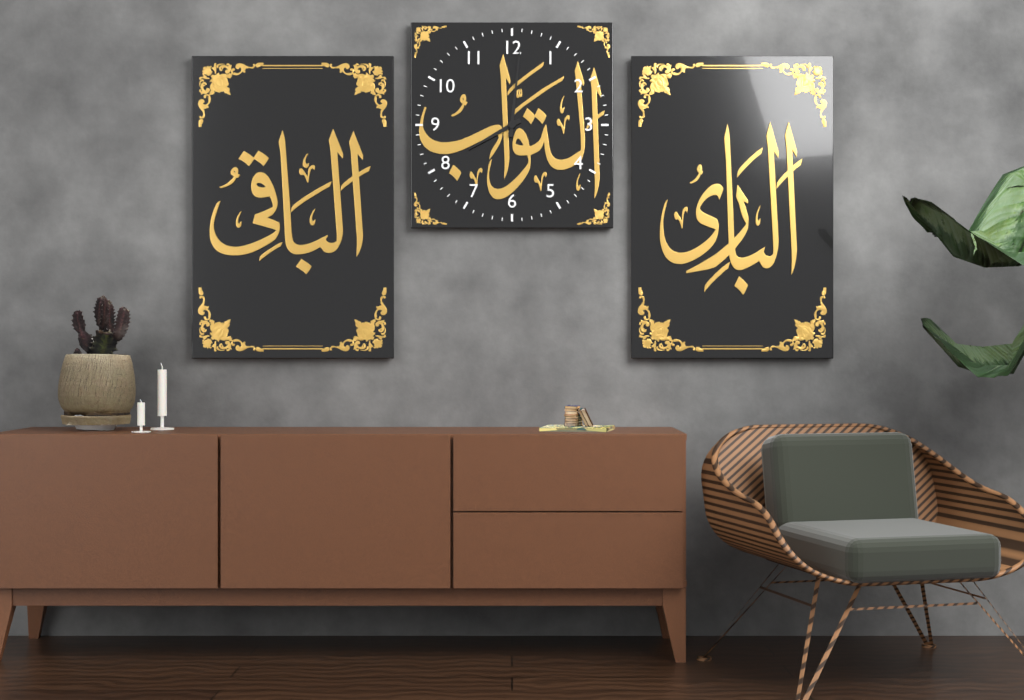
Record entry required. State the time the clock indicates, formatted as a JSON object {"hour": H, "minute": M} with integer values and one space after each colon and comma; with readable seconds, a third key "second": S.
{"hour": 8, "minute": 1}
